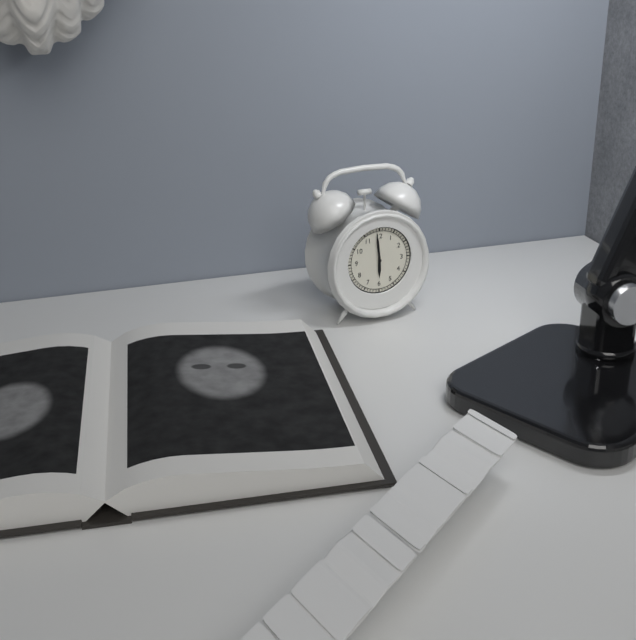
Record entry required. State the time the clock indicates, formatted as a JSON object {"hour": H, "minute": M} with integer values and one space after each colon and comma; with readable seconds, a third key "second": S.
{"hour": 5, "minute": 59}
